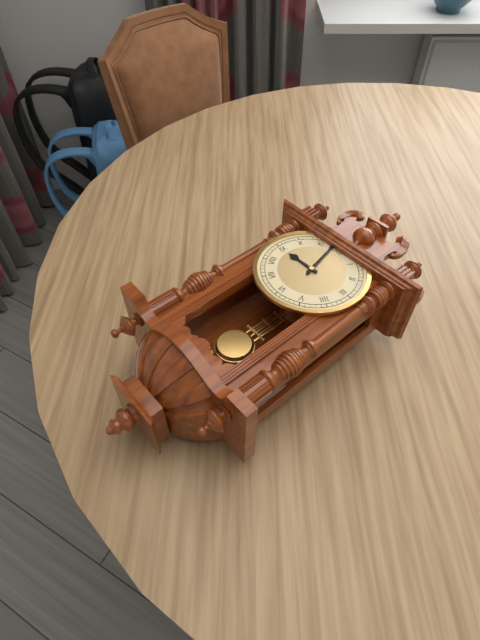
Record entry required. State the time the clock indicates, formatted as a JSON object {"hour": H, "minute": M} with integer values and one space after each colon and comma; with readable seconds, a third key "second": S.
{"hour": 8, "minute": 58}
